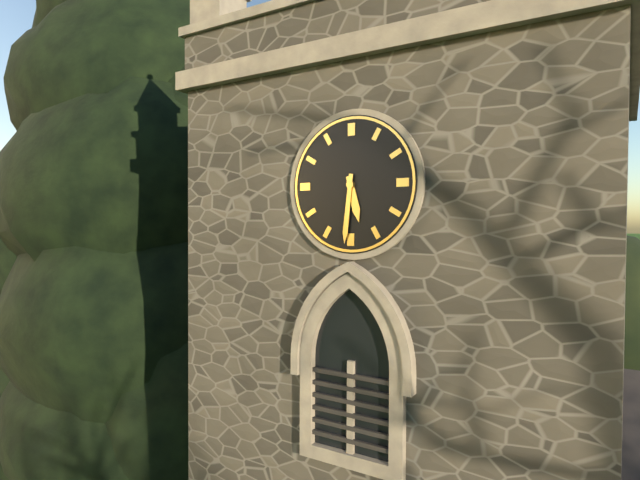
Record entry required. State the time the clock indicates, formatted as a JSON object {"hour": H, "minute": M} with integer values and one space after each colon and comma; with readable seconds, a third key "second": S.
{"hour": 5, "minute": 31}
